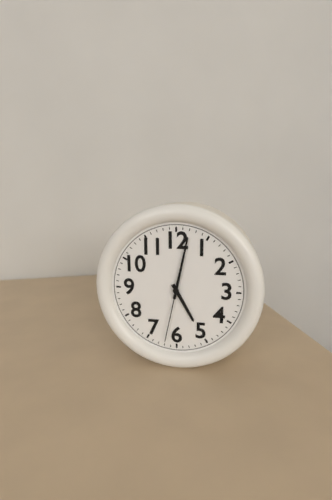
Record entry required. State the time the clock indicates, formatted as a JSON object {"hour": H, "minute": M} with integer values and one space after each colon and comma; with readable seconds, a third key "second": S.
{"hour": 5, "minute": 2, "second": 32}
